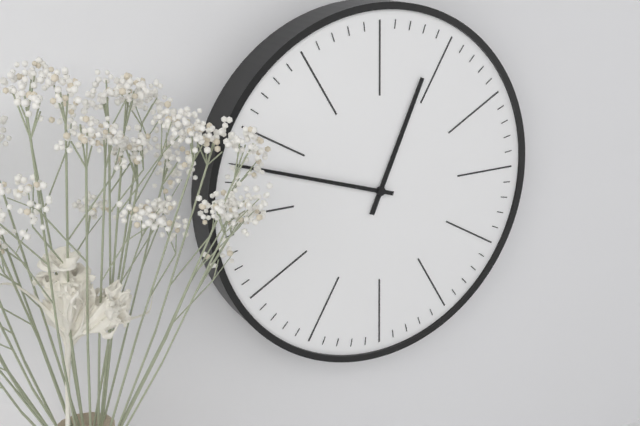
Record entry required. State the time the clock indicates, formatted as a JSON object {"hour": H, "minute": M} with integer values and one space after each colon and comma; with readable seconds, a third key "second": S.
{"hour": 12, "minute": 48}
